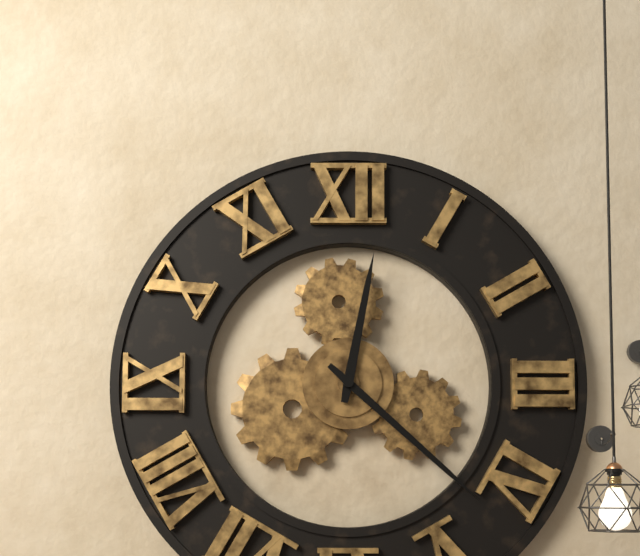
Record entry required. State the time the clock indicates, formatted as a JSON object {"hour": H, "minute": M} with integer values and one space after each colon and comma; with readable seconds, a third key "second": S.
{"hour": 12, "minute": 22}
